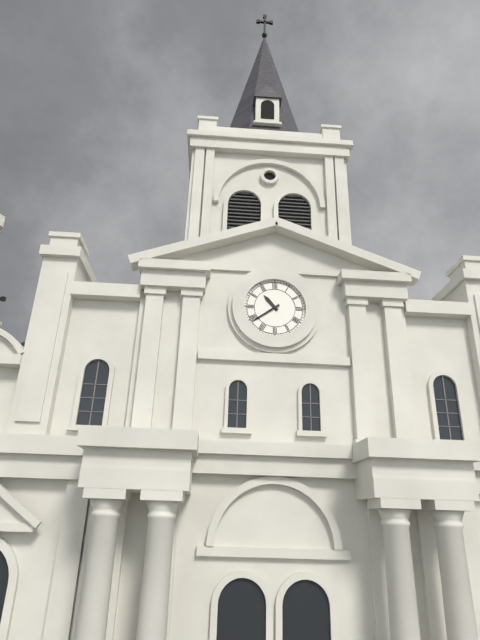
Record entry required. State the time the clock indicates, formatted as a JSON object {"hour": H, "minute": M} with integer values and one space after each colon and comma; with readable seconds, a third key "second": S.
{"hour": 10, "minute": 39}
